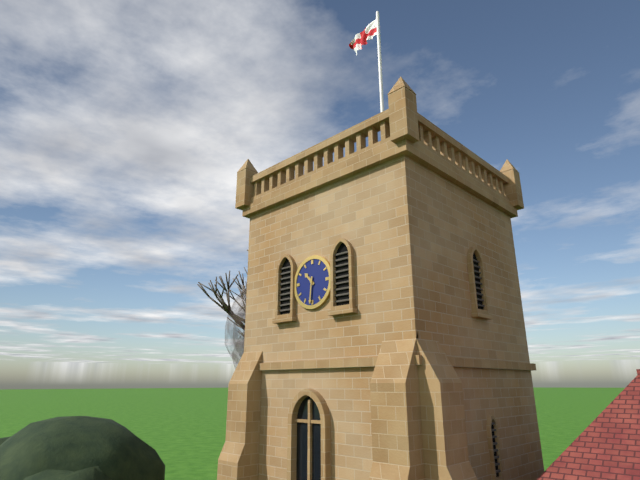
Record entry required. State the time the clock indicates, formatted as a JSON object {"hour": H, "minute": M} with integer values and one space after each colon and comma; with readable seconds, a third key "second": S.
{"hour": 10, "minute": 31}
